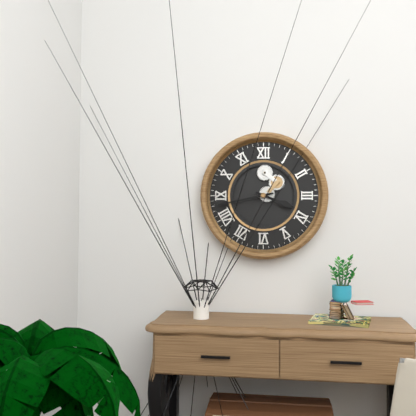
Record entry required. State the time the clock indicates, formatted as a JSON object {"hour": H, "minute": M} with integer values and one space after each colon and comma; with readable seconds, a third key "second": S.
{"hour": 3, "minute": 43}
